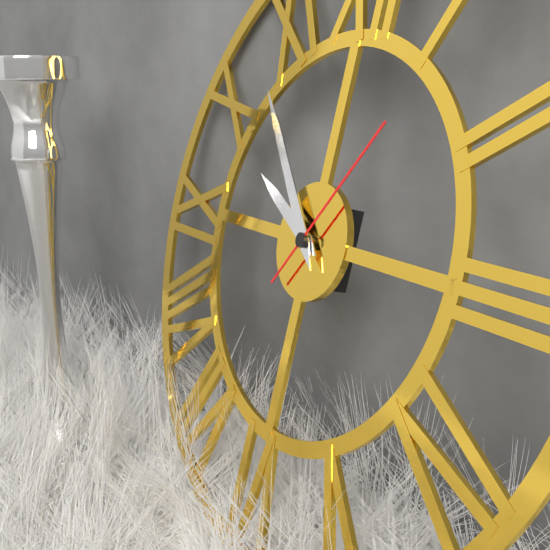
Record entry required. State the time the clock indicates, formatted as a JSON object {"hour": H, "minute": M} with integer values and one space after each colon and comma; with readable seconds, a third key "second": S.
{"hour": 9, "minute": 53, "second": 6}
